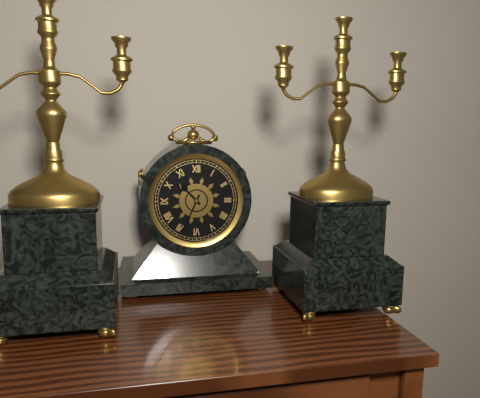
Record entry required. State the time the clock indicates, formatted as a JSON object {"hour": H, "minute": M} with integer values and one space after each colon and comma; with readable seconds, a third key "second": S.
{"hour": 10, "minute": 34}
